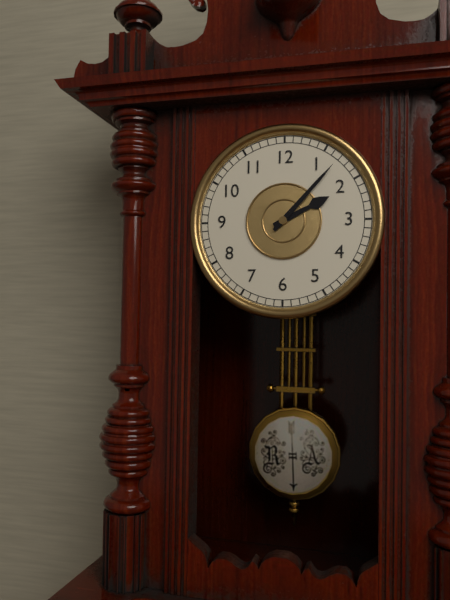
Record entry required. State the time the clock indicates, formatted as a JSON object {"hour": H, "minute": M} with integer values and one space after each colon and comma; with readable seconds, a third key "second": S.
{"hour": 2, "minute": 7}
